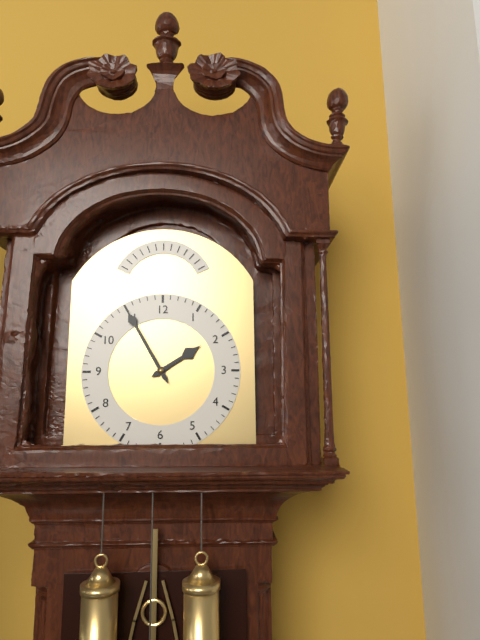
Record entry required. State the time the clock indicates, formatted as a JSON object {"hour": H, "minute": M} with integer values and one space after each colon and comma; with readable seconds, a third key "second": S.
{"hour": 1, "minute": 55}
